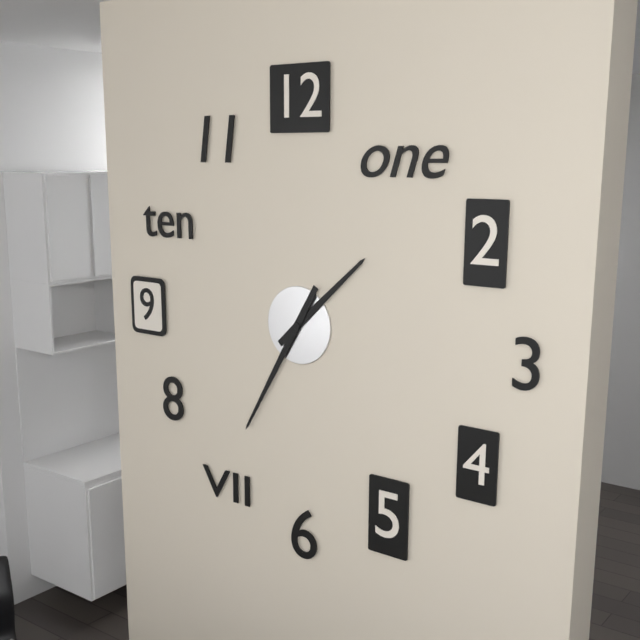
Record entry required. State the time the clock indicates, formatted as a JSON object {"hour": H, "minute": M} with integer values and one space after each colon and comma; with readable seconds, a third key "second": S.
{"hour": 1, "minute": 35}
